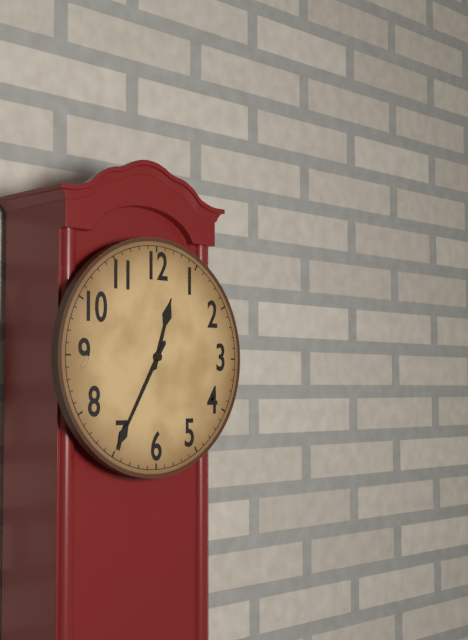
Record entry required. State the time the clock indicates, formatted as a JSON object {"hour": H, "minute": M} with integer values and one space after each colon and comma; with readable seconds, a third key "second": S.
{"hour": 12, "minute": 35}
